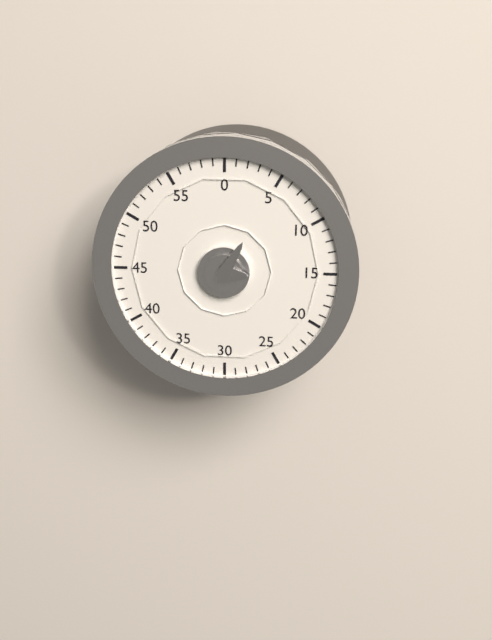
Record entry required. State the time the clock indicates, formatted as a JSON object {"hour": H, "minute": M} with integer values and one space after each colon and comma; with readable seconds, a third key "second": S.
{"hour": 3, "minute": 5}
